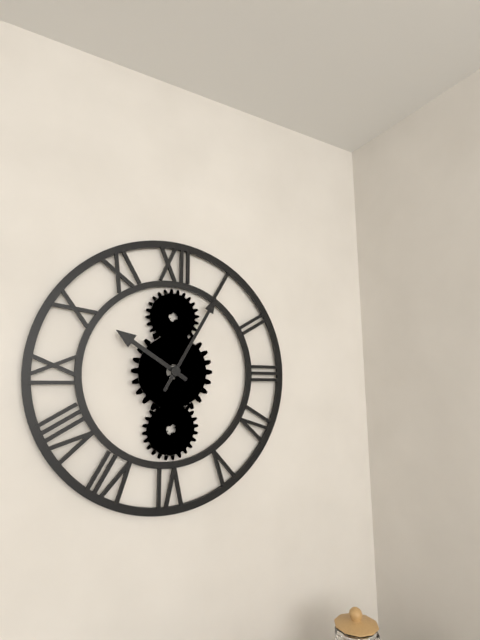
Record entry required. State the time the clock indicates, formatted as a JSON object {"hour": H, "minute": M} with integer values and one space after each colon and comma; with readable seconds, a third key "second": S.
{"hour": 10, "minute": 5}
